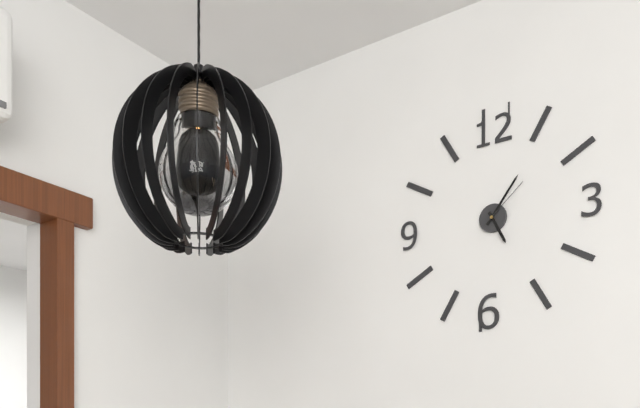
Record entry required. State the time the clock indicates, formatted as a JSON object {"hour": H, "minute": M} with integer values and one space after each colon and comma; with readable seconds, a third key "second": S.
{"hour": 5, "minute": 6, "second": 8}
